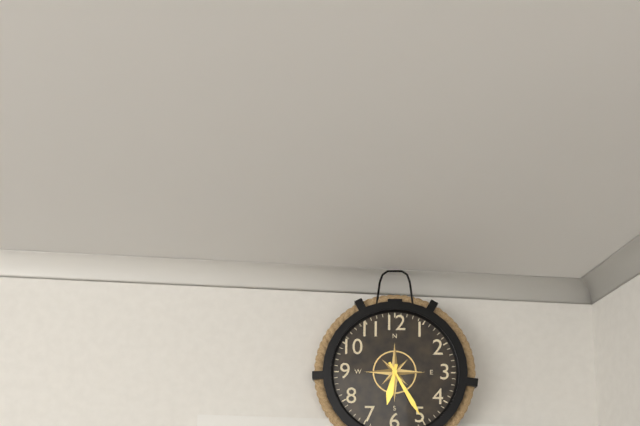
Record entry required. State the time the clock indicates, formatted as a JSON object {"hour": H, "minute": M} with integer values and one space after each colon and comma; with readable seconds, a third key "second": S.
{"hour": 6, "minute": 25}
